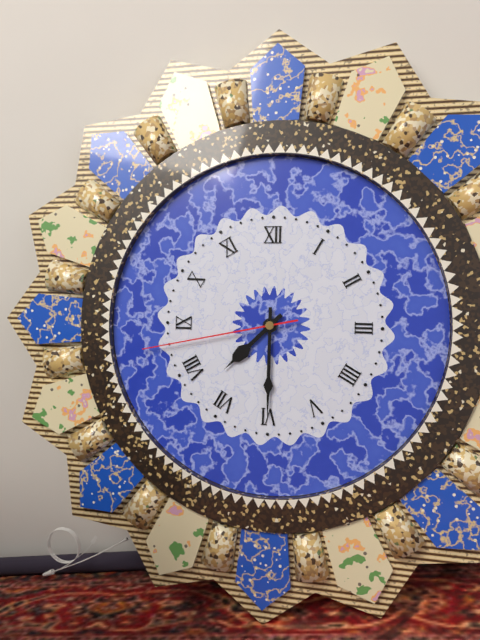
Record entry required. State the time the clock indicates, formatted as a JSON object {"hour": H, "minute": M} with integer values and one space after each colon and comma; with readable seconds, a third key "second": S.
{"hour": 7, "minute": 30, "second": 43}
